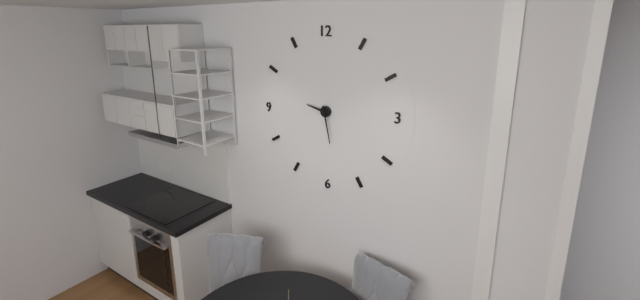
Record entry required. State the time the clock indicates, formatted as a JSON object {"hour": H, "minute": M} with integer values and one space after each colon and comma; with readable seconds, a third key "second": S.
{"hour": 9, "minute": 28}
